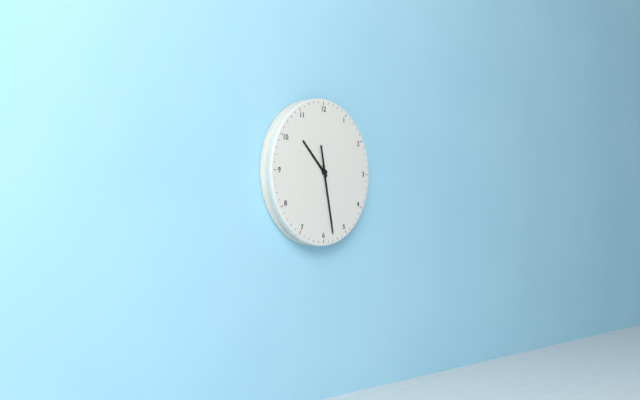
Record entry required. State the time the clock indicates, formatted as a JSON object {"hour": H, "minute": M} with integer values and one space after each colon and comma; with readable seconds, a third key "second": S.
{"hour": 10, "minute": 28, "second": 28}
